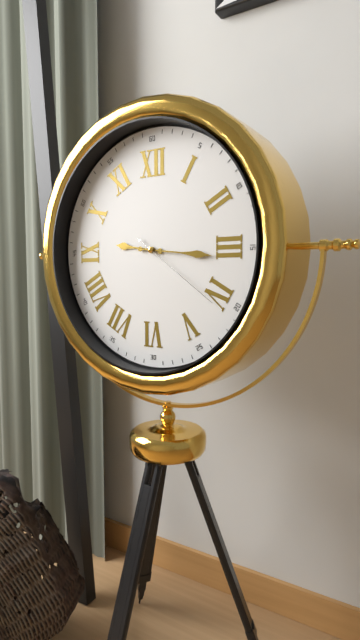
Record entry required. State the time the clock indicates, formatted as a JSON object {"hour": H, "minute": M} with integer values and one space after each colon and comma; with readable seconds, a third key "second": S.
{"hour": 9, "minute": 16, "second": 21}
